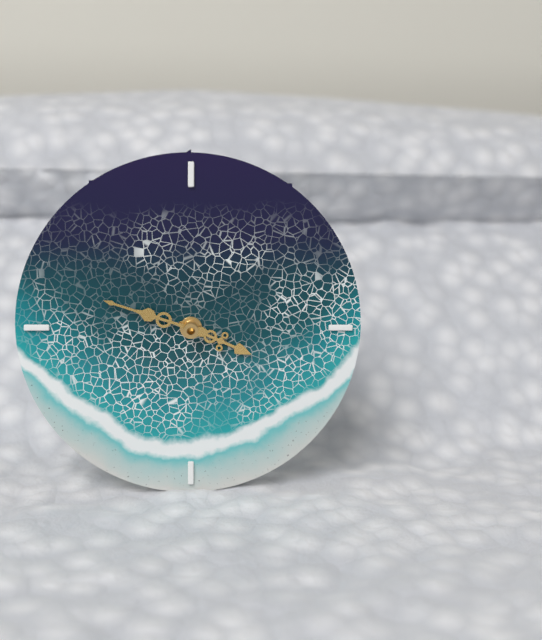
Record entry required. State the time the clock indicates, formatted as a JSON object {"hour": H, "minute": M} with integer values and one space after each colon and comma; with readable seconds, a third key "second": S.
{"hour": 3, "minute": 48}
